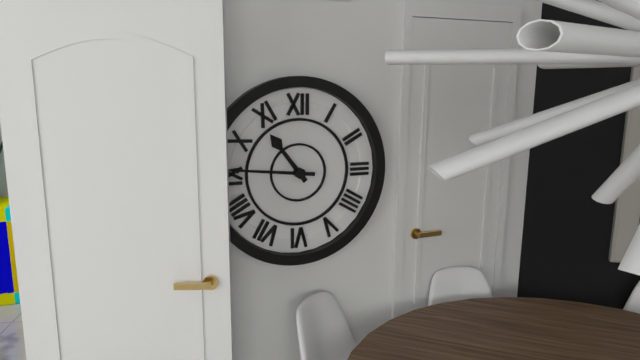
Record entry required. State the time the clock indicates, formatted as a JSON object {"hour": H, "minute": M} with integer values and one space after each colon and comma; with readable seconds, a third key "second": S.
{"hour": 10, "minute": 46}
